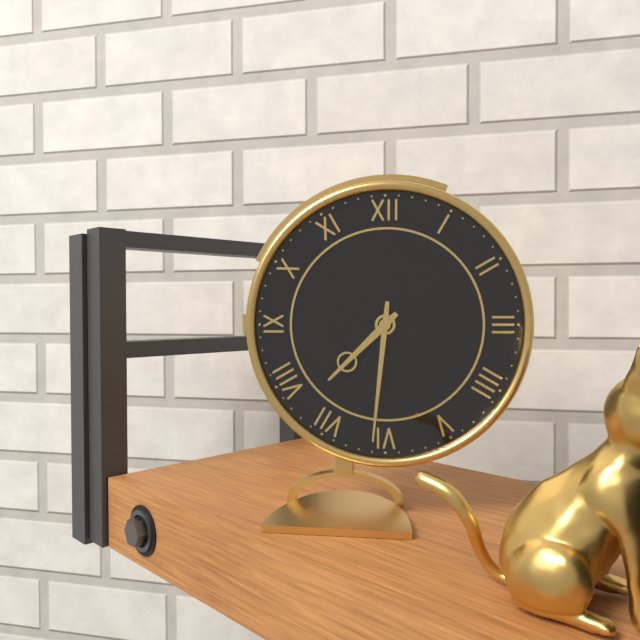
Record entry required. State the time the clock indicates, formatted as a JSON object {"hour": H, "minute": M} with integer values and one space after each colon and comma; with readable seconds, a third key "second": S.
{"hour": 7, "minute": 31}
